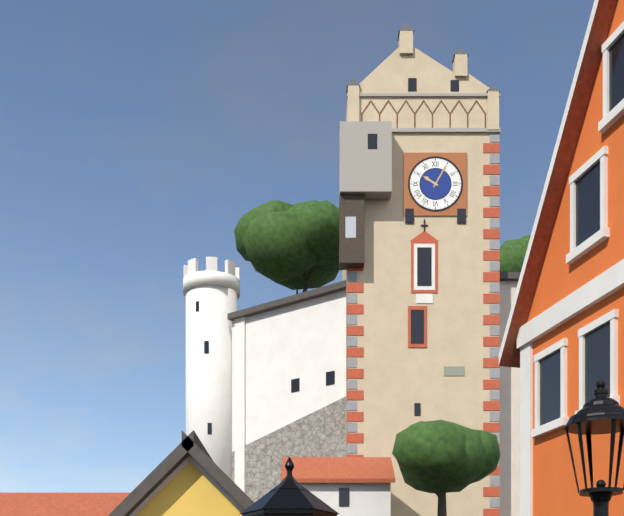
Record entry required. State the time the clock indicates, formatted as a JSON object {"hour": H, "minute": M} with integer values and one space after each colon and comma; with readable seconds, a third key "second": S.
{"hour": 10, "minute": 5}
